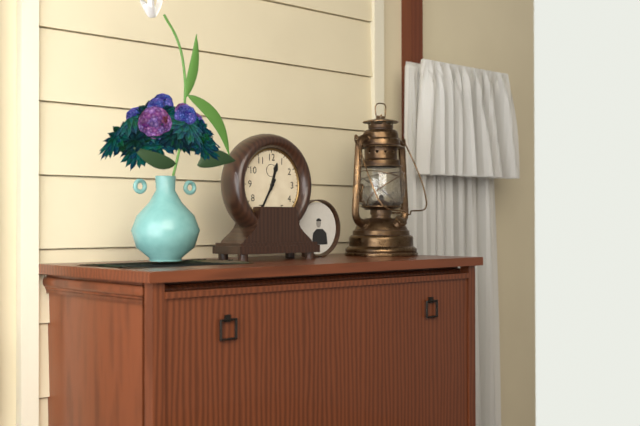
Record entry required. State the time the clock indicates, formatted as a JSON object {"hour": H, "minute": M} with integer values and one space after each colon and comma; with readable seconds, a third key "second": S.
{"hour": 12, "minute": 35}
